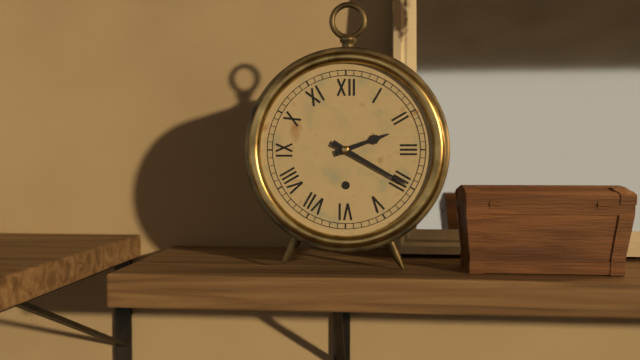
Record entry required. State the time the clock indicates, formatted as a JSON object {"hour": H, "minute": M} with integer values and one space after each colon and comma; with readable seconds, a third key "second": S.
{"hour": 2, "minute": 20}
